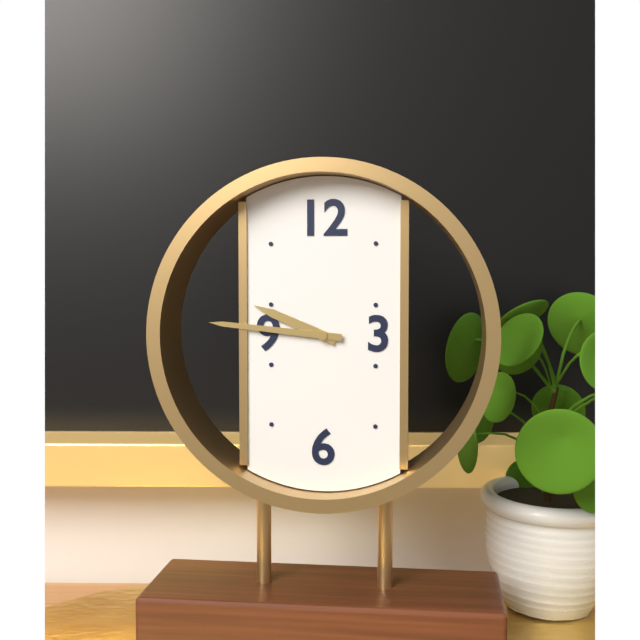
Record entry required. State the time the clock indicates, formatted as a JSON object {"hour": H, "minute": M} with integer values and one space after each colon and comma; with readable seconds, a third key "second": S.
{"hour": 9, "minute": 46}
